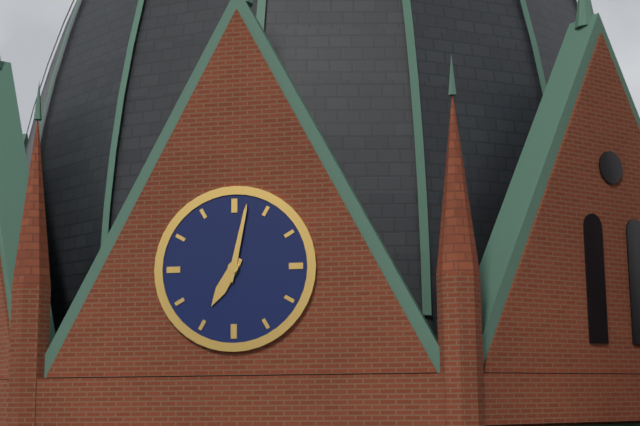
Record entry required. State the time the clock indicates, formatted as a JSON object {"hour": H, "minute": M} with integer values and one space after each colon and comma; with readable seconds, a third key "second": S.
{"hour": 7, "minute": 2}
